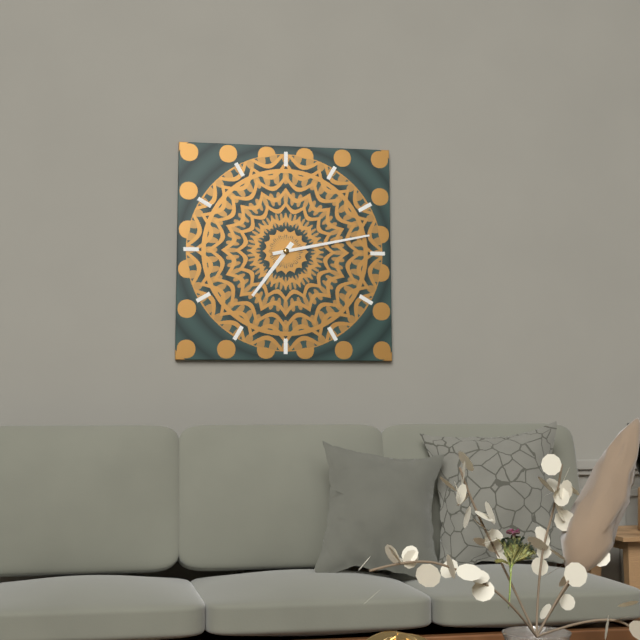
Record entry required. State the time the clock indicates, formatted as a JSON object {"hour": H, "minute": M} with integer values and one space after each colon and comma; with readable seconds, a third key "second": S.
{"hour": 7, "minute": 13}
